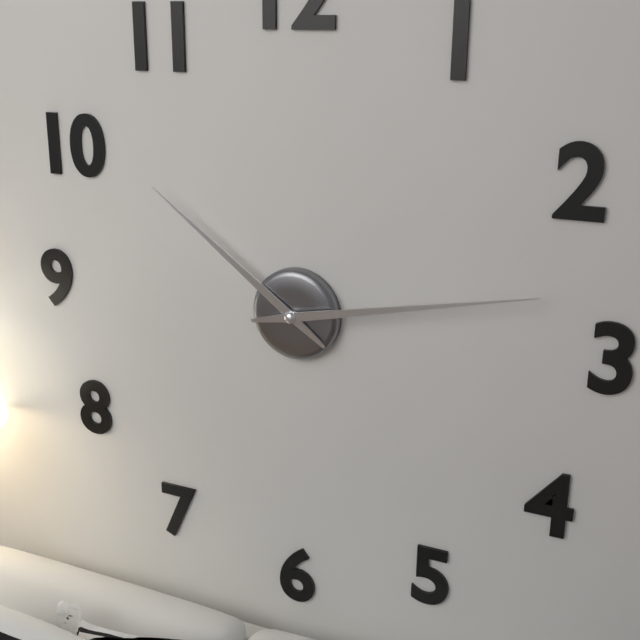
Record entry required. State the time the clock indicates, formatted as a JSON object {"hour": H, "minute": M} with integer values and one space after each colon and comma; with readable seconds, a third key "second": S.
{"hour": 10, "minute": 13}
